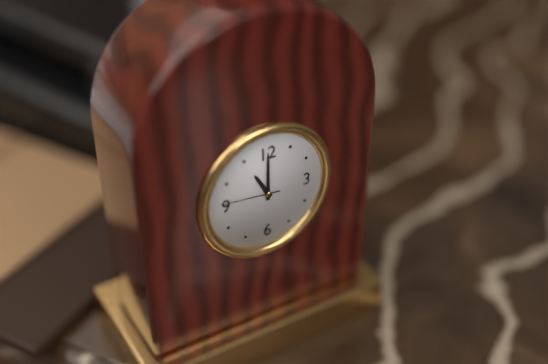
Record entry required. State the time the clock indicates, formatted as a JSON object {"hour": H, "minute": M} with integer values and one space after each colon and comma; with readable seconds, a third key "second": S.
{"hour": 11, "minute": 0, "second": 46}
